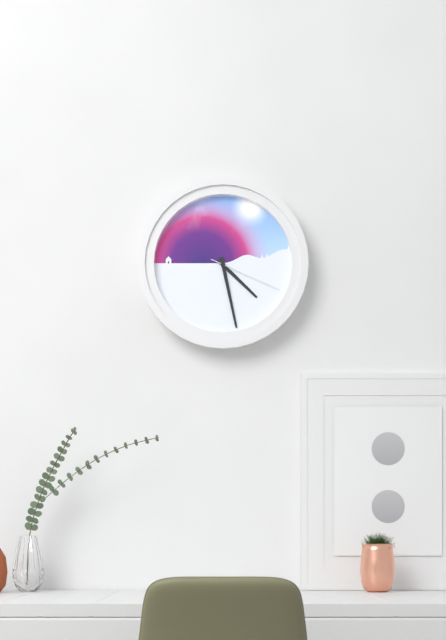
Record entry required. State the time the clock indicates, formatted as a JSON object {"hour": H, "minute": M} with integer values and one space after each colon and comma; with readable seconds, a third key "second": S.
{"hour": 4, "minute": 28, "second": 19}
